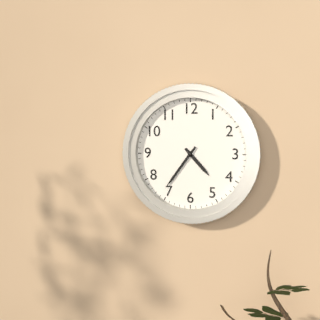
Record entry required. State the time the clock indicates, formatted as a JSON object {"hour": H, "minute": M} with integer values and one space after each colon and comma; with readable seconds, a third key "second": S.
{"hour": 4, "minute": 36}
